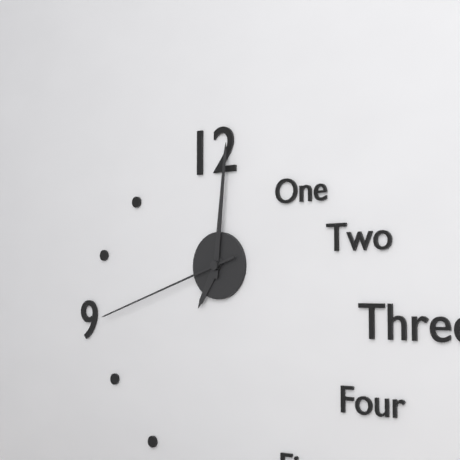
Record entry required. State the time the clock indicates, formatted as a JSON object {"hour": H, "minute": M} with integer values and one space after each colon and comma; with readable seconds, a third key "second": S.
{"hour": 7, "minute": 1, "second": 42}
